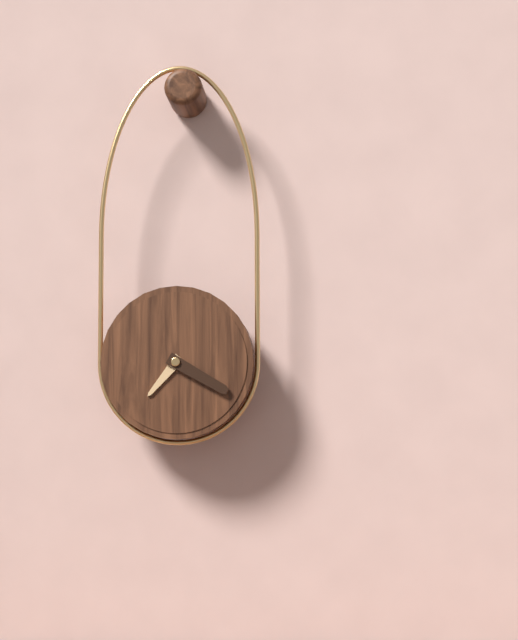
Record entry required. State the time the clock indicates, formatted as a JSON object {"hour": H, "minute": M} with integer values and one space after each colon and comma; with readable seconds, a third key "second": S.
{"hour": 7, "minute": 20}
